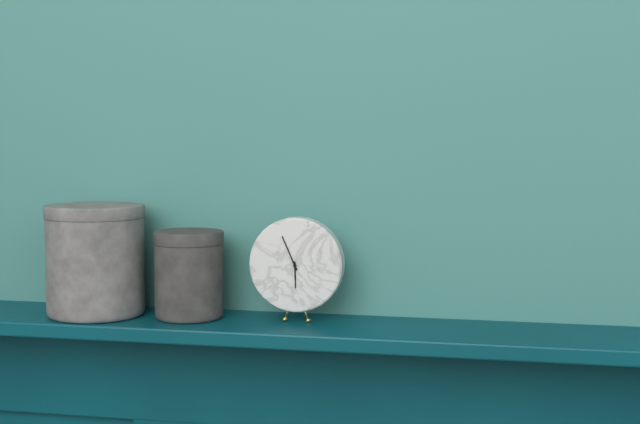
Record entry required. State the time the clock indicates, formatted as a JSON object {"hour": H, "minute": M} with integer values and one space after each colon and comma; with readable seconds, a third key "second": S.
{"hour": 5, "minute": 56}
